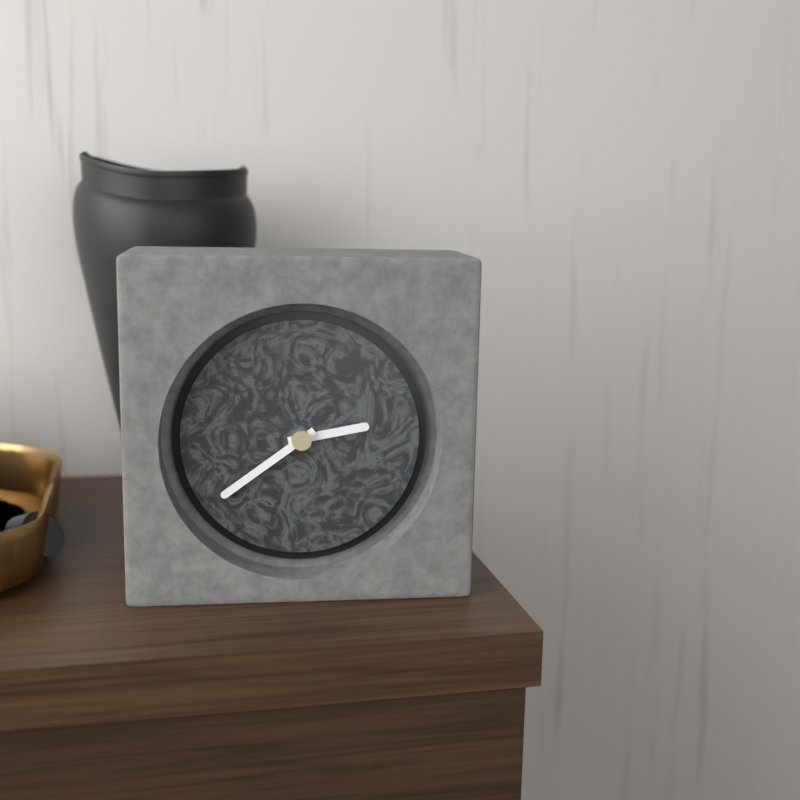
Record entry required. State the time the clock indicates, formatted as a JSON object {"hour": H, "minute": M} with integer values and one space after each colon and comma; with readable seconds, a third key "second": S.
{"hour": 2, "minute": 39}
